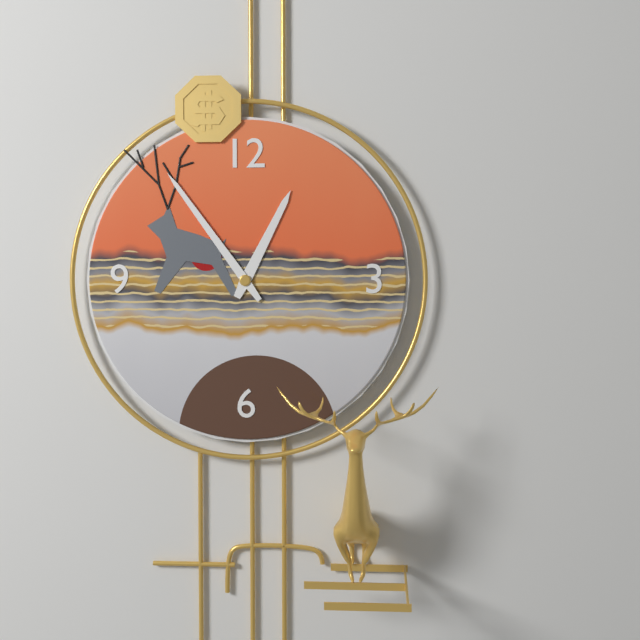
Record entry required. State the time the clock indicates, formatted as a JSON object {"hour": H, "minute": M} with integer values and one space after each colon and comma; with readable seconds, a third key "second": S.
{"hour": 12, "minute": 54}
